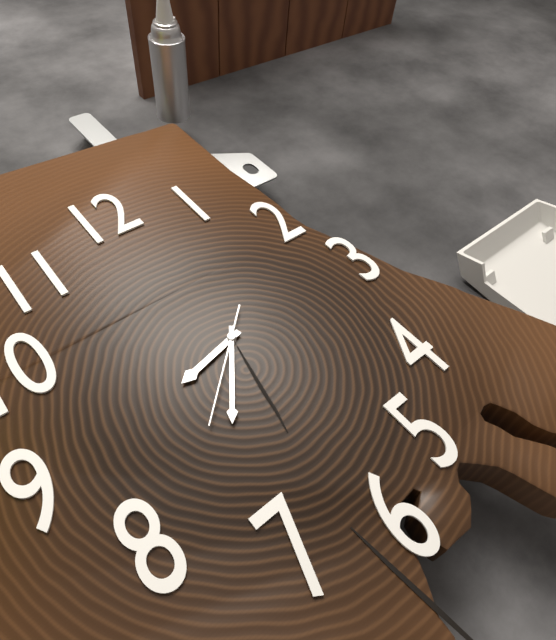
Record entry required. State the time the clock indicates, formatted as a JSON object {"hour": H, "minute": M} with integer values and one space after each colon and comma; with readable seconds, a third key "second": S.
{"hour": 8, "minute": 36, "second": 38}
